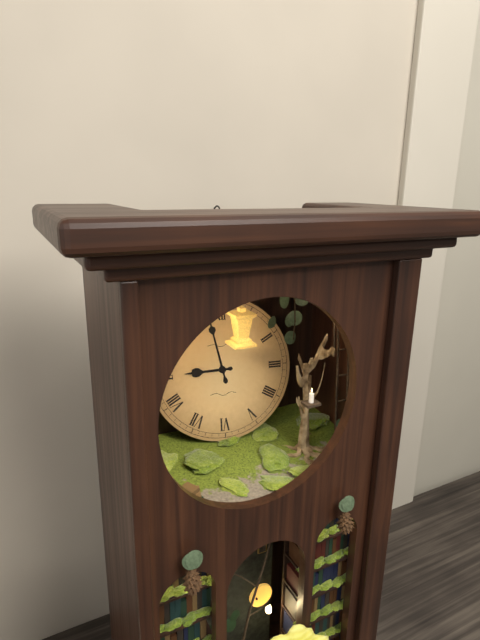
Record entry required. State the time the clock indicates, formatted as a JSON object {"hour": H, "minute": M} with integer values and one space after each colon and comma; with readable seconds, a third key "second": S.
{"hour": 8, "minute": 58}
